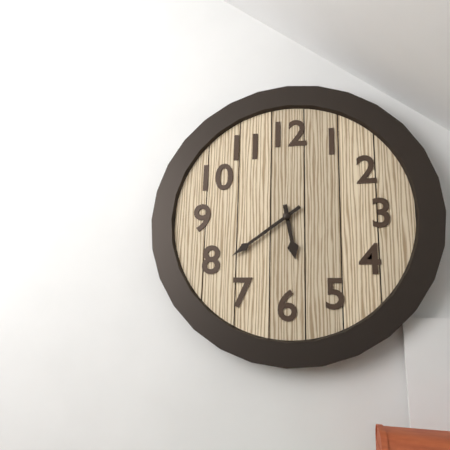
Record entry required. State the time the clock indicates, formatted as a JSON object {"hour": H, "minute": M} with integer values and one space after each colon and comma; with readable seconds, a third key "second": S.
{"hour": 5, "minute": 39}
